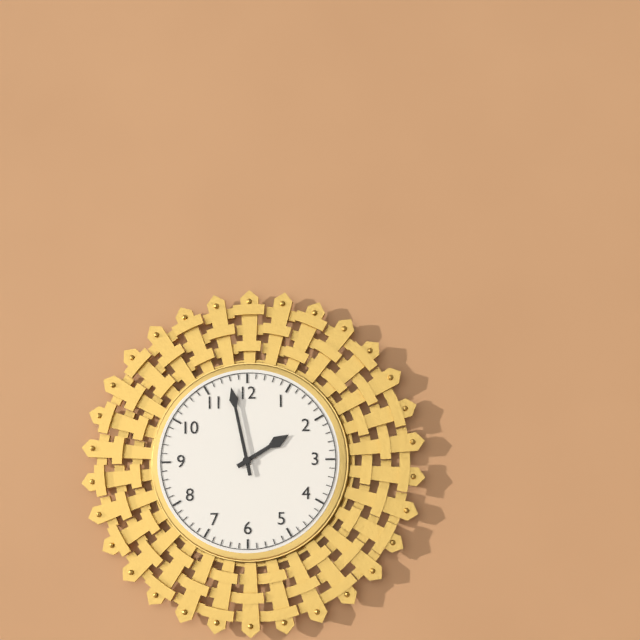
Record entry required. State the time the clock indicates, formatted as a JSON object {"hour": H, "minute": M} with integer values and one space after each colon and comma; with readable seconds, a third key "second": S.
{"hour": 1, "minute": 58}
